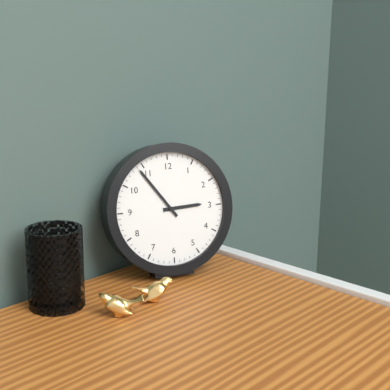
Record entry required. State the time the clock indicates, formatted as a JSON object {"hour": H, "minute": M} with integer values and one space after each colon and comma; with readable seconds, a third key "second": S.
{"hour": 2, "minute": 54}
